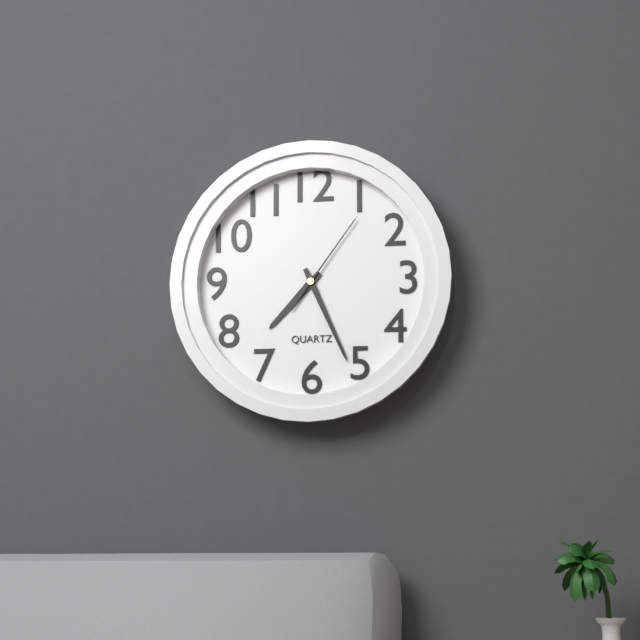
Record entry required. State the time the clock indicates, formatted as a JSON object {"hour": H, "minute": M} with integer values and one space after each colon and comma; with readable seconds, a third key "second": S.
{"hour": 7, "minute": 26, "second": 6}
